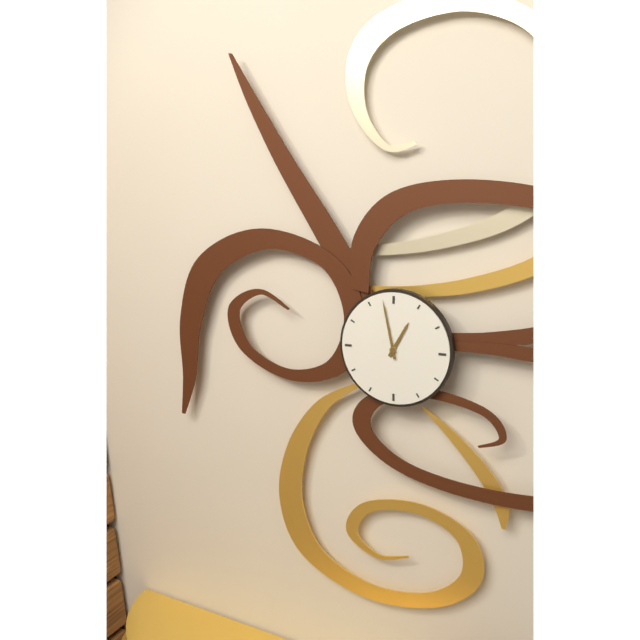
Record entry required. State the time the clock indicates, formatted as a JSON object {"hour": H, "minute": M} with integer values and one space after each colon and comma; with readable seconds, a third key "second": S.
{"hour": 12, "minute": 58}
